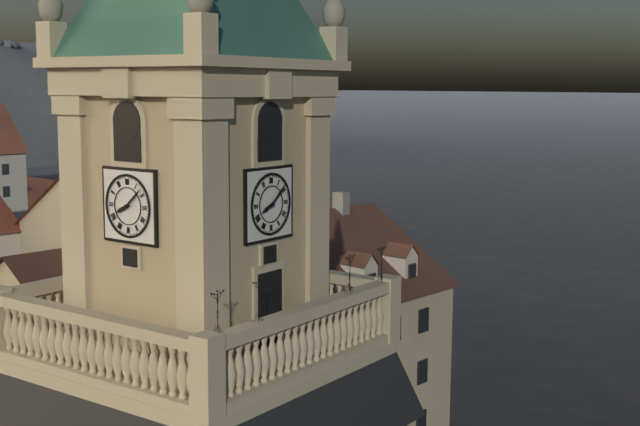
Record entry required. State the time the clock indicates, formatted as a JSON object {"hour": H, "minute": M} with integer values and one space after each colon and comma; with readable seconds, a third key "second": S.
{"hour": 8, "minute": 8}
